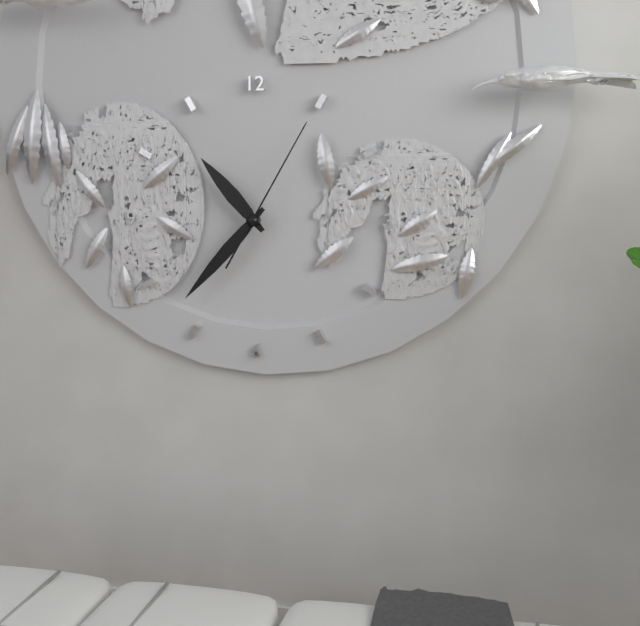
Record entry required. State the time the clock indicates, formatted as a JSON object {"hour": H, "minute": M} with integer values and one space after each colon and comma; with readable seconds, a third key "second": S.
{"hour": 10, "minute": 37, "second": 5}
